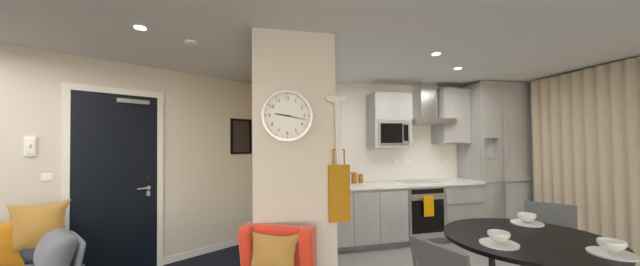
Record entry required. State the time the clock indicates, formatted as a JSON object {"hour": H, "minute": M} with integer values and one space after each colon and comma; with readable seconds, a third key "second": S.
{"hour": 9, "minute": 17}
